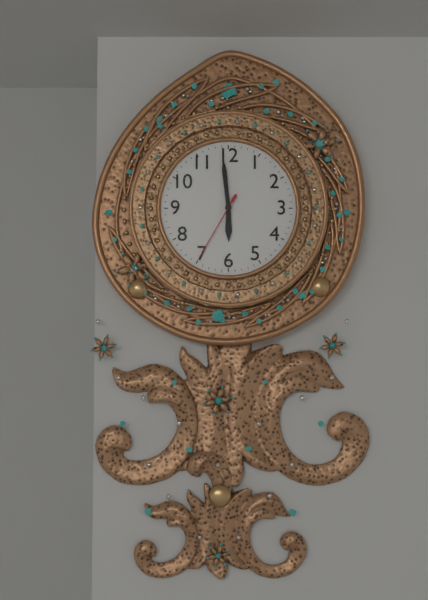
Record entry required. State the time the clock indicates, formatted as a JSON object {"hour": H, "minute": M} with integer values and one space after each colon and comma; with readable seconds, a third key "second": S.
{"hour": 5, "minute": 59, "second": 35}
